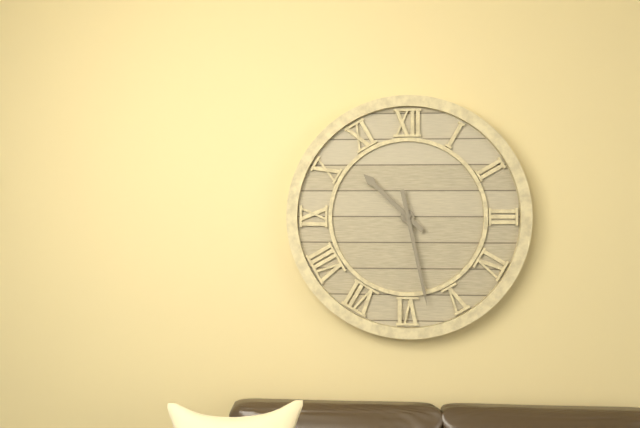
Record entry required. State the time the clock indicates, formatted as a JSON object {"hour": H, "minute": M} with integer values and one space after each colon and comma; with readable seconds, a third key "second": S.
{"hour": 10, "minute": 28}
